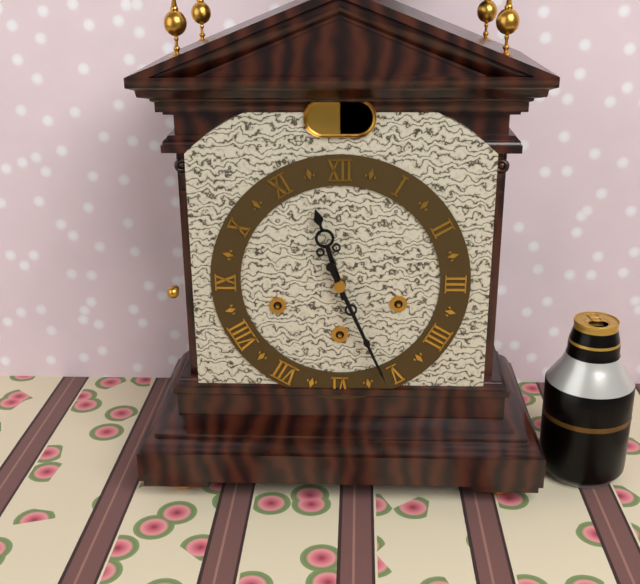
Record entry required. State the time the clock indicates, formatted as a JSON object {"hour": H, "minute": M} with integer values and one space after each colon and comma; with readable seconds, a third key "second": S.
{"hour": 11, "minute": 26}
